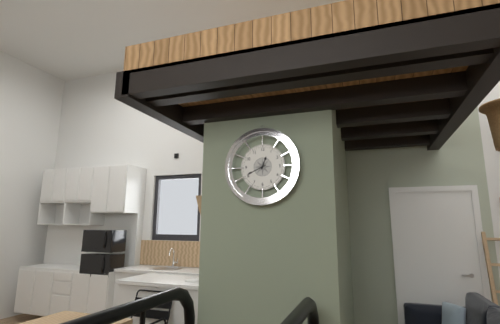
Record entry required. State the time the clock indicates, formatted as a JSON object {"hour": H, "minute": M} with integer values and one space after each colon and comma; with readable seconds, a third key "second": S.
{"hour": 12, "minute": 41}
